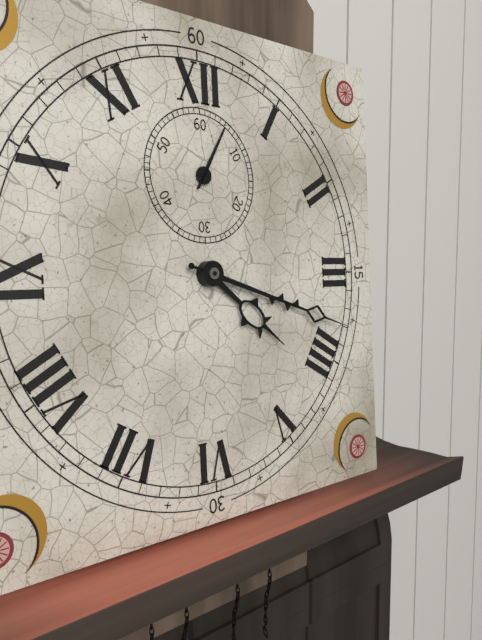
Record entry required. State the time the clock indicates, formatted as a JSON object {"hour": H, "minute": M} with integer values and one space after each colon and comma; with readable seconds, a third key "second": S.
{"hour": 4, "minute": 18, "second": 5}
